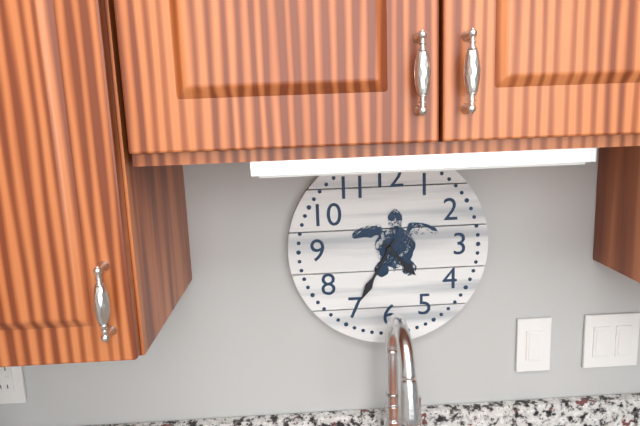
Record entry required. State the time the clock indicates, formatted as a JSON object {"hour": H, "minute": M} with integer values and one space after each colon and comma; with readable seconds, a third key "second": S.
{"hour": 4, "minute": 35}
